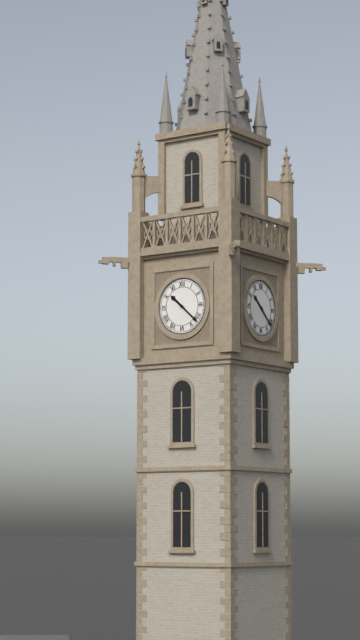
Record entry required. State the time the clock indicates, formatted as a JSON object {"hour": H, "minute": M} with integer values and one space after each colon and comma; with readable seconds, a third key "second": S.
{"hour": 10, "minute": 22}
